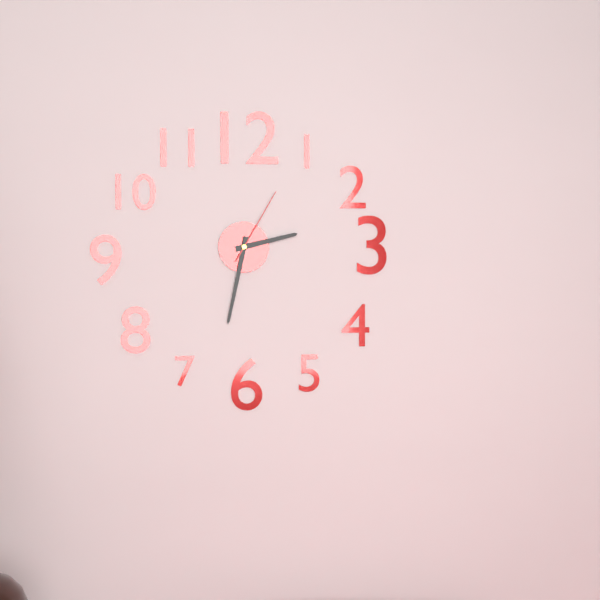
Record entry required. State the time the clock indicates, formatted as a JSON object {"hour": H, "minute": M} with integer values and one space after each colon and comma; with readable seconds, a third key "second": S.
{"hour": 2, "minute": 32, "second": 5}
